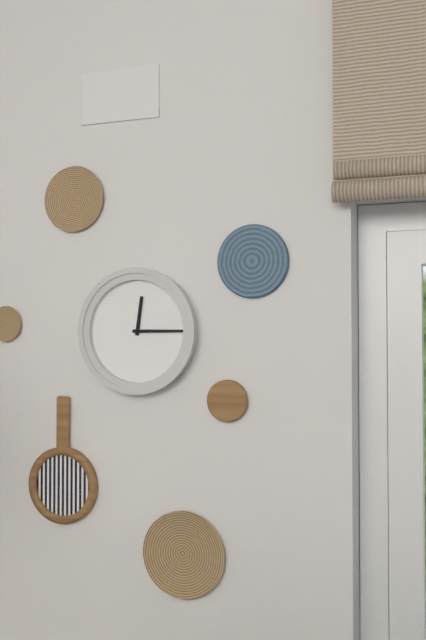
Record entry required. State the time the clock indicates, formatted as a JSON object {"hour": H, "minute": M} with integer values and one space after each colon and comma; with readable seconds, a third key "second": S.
{"hour": 12, "minute": 15}
